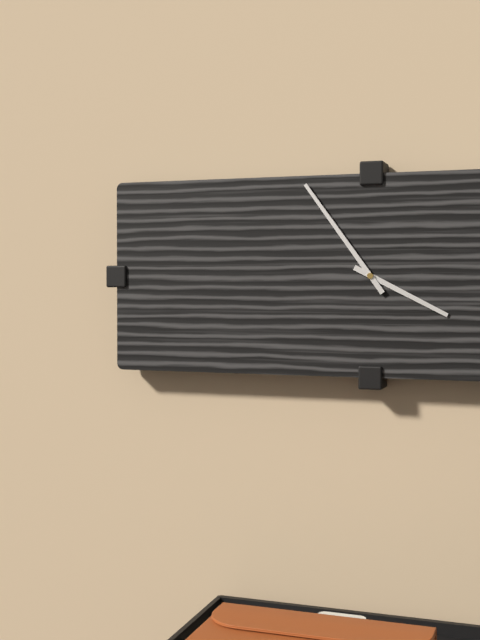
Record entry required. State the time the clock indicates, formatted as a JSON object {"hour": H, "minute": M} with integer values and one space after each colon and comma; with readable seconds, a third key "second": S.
{"hour": 3, "minute": 54}
